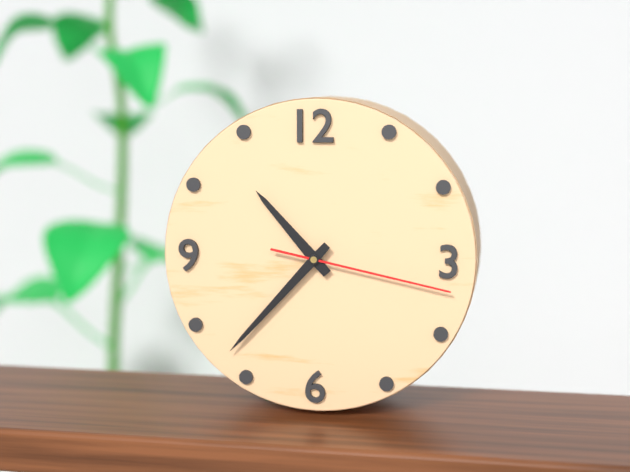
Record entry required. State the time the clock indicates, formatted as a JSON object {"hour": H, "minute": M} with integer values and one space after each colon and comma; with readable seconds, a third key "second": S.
{"hour": 10, "minute": 37, "second": 17}
